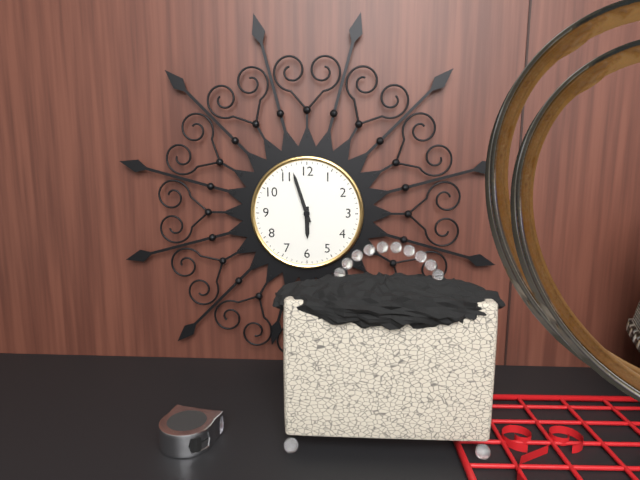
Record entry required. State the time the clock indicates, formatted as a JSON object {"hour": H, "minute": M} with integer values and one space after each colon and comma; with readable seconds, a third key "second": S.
{"hour": 5, "minute": 57}
